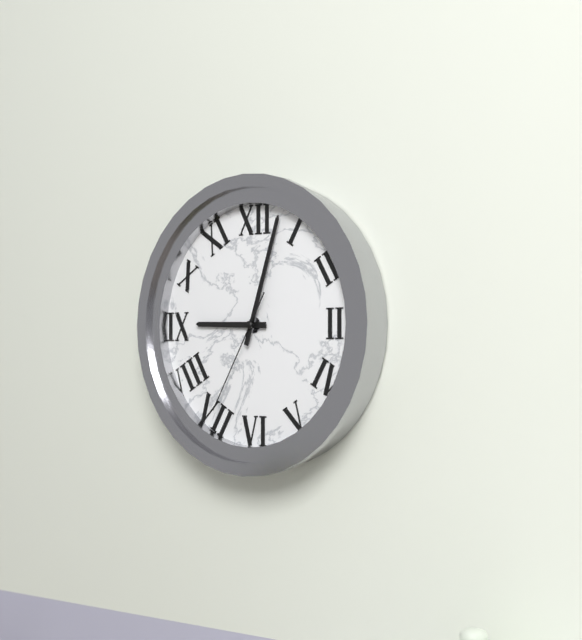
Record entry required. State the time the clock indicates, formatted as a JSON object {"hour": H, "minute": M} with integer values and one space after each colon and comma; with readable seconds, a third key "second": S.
{"hour": 9, "minute": 3, "second": 35}
